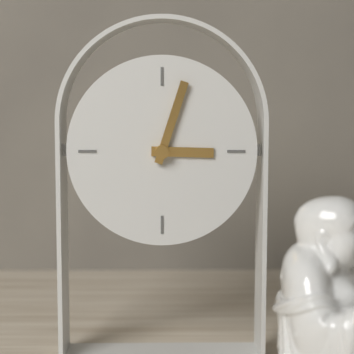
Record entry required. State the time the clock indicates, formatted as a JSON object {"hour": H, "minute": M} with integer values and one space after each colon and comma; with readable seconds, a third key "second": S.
{"hour": 3, "minute": 3}
